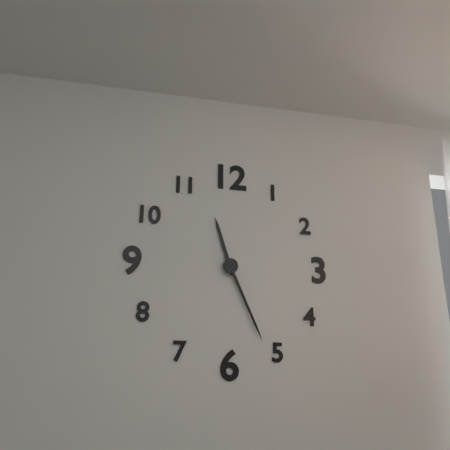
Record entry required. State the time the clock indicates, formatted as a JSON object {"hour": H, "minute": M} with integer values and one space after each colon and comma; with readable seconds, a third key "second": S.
{"hour": 11, "minute": 26}
